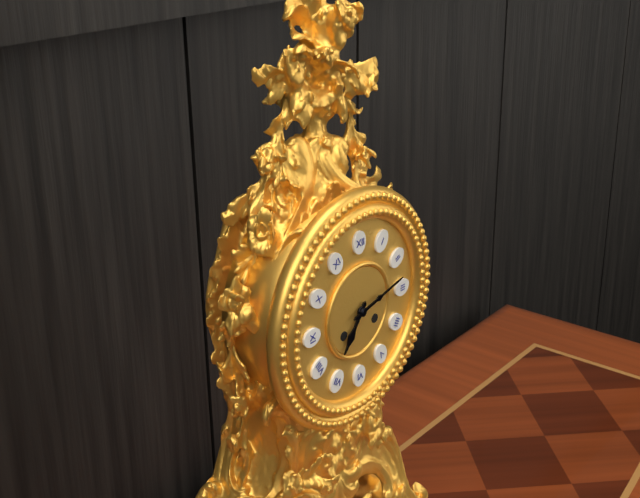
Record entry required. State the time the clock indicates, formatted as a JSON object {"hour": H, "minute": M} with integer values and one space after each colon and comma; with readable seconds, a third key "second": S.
{"hour": 7, "minute": 13}
